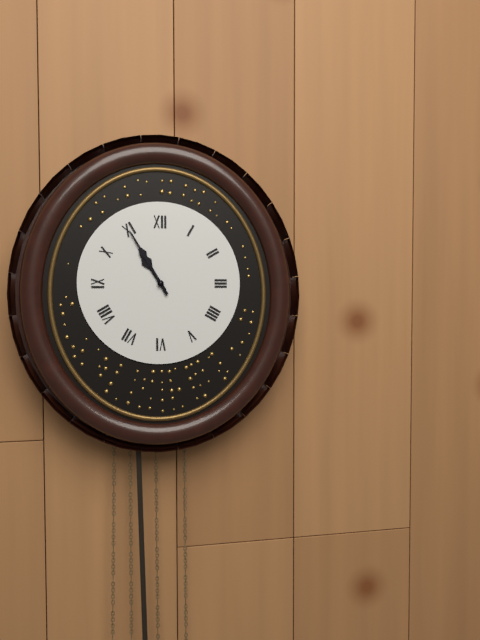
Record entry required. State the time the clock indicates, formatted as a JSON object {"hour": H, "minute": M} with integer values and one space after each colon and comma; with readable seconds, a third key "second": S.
{"hour": 10, "minute": 55}
